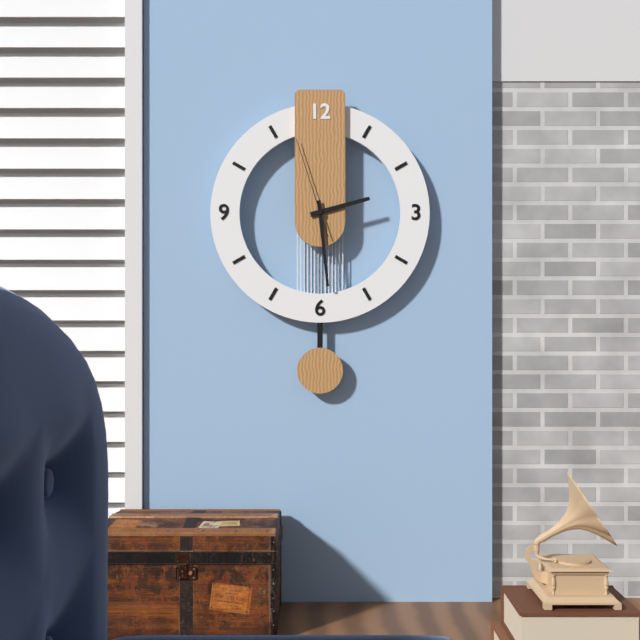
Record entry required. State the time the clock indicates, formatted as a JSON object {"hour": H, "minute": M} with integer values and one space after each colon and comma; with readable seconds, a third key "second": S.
{"hour": 2, "minute": 29, "second": 57}
